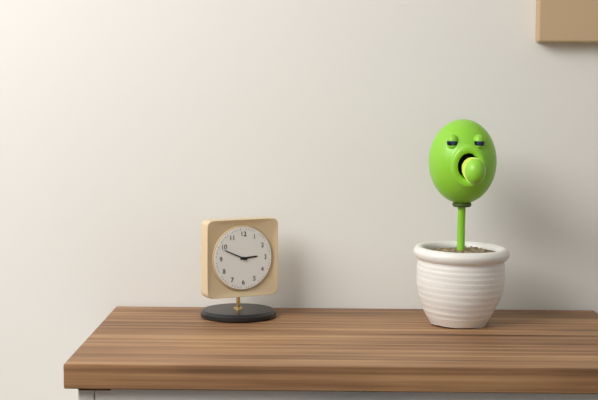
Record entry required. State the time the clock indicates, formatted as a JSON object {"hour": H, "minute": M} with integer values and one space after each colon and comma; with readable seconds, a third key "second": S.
{"hour": 2, "minute": 49}
